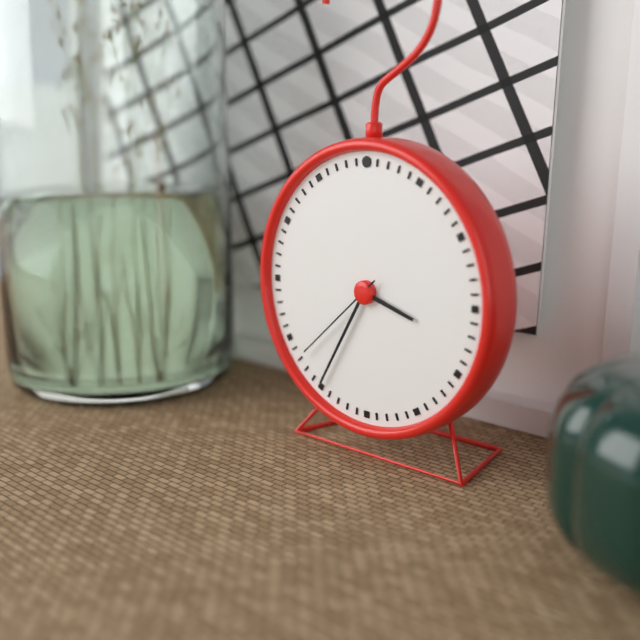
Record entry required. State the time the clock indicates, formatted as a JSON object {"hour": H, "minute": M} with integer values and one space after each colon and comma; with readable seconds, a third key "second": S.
{"hour": 3, "minute": 35, "second": 38}
